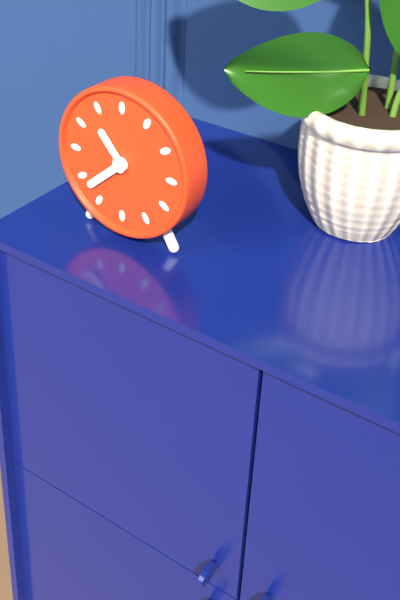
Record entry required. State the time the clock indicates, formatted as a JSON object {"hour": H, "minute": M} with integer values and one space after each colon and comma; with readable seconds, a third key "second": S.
{"hour": 10, "minute": 38}
